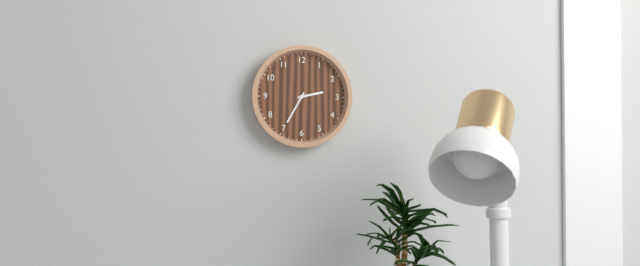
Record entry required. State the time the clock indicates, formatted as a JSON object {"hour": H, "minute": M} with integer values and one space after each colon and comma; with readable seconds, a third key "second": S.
{"hour": 2, "minute": 35}
